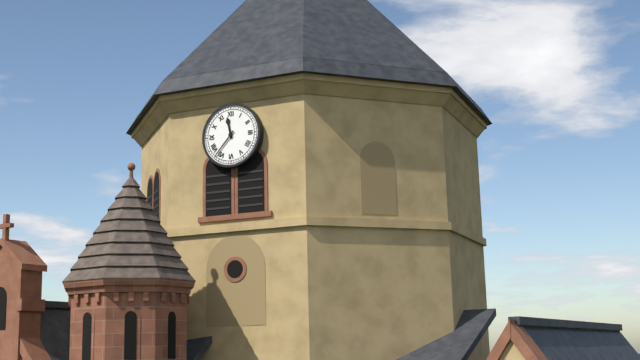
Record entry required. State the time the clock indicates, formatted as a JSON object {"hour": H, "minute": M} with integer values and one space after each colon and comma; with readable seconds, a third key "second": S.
{"hour": 11, "minute": 37}
